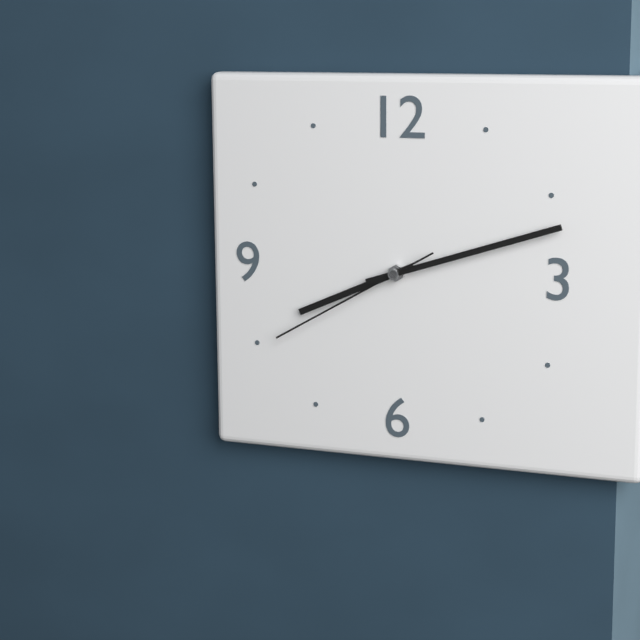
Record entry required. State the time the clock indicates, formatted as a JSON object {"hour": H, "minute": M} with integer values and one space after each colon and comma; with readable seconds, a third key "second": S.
{"hour": 8, "minute": 12, "second": 40}
